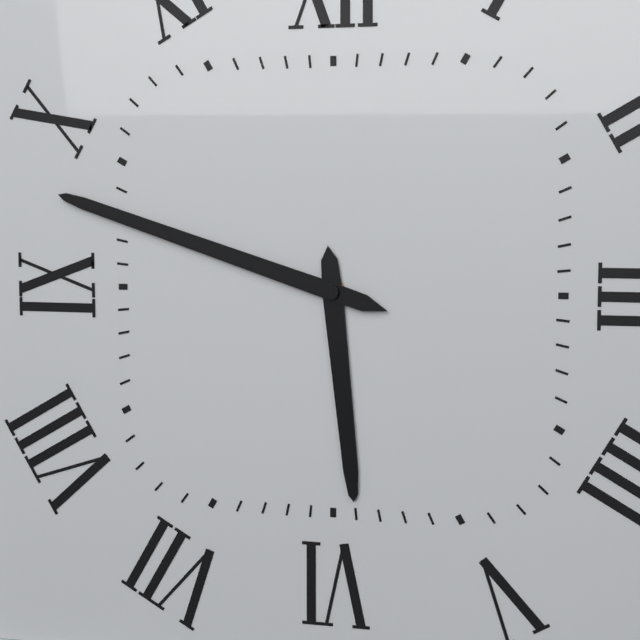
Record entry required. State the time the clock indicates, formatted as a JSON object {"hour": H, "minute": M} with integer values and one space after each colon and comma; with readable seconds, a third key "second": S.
{"hour": 5, "minute": 48}
